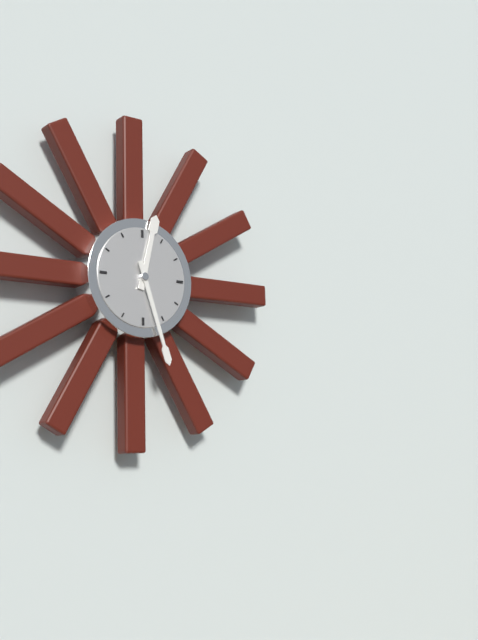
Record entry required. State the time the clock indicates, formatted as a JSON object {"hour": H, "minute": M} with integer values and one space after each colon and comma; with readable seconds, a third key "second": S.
{"hour": 12, "minute": 27}
